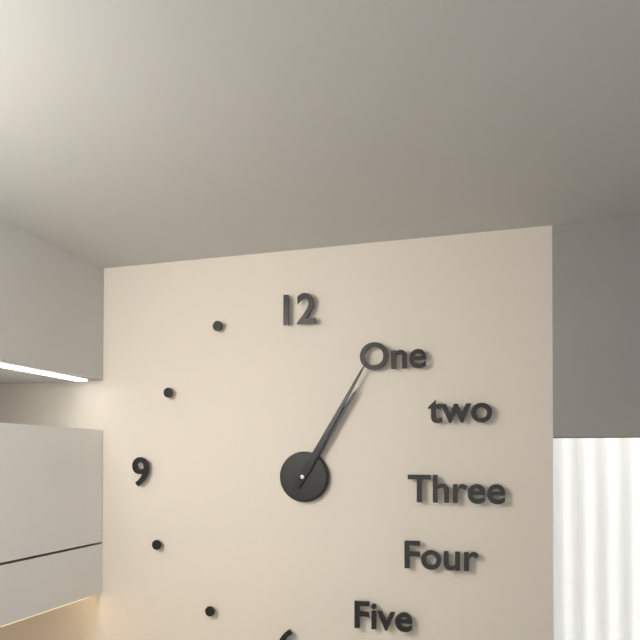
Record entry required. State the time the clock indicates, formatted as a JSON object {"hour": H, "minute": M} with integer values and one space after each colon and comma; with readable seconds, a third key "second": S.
{"hour": 1, "minute": 5}
